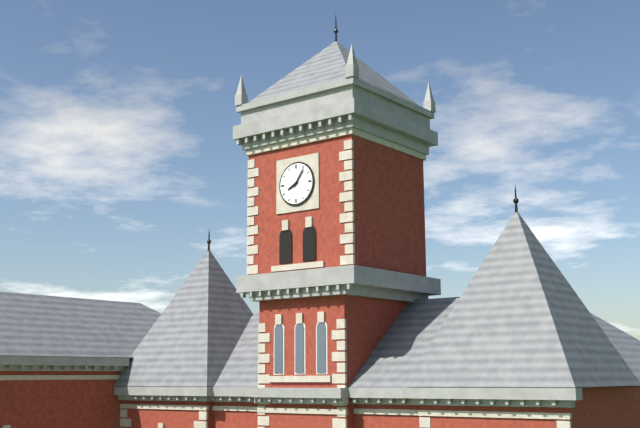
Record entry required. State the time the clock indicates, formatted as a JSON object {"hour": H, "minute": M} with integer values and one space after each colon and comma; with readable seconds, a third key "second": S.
{"hour": 8, "minute": 6}
